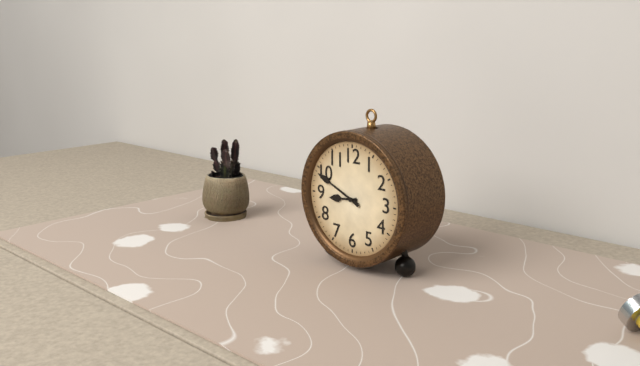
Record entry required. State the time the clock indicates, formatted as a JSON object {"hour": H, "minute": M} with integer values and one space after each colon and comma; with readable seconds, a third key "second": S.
{"hour": 8, "minute": 49}
